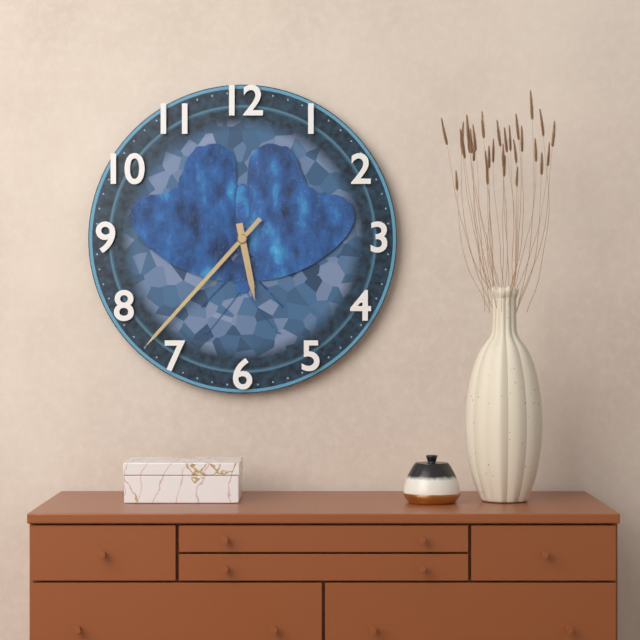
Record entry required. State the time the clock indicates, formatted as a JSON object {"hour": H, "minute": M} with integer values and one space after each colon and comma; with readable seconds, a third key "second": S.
{"hour": 5, "minute": 37}
